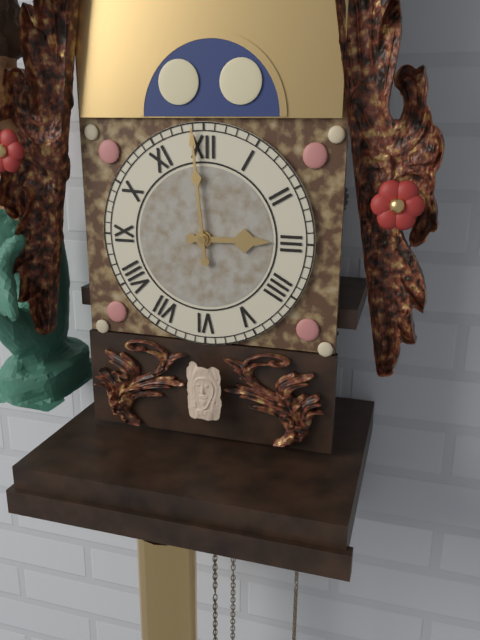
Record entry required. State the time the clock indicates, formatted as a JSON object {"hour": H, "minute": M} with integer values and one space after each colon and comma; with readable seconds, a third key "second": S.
{"hour": 2, "minute": 59}
